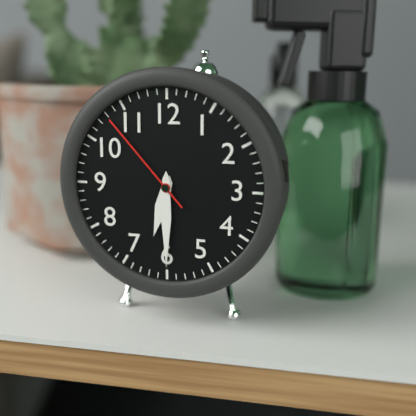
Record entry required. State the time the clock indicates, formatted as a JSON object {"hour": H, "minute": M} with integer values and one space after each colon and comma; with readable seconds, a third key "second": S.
{"hour": 6, "minute": 30, "second": 53}
